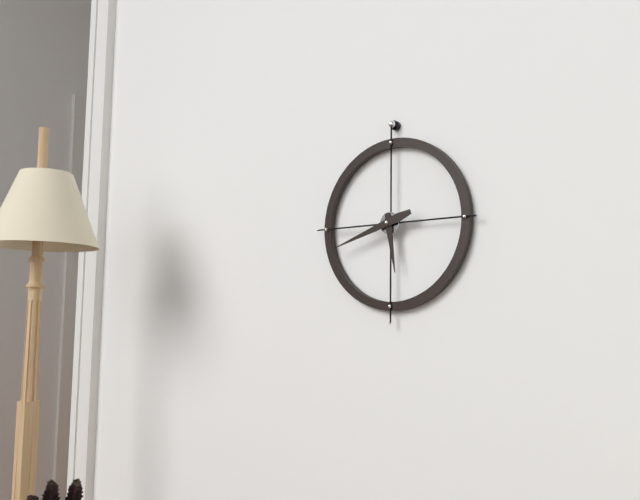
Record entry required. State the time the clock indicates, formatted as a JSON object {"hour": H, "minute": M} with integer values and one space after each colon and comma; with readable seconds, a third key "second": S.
{"hour": 5, "minute": 42}
